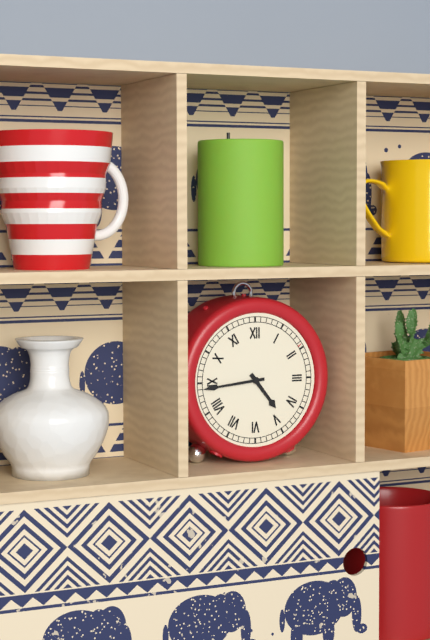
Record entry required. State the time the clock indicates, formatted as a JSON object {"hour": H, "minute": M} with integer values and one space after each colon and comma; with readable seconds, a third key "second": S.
{"hour": 4, "minute": 44}
